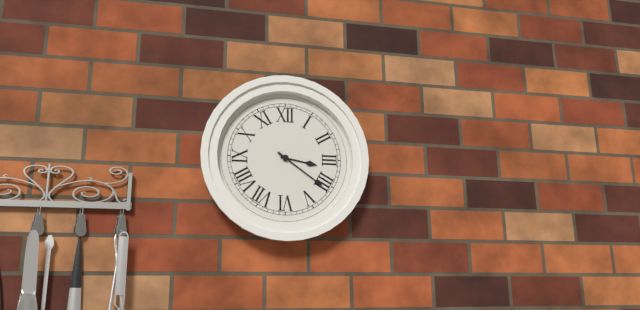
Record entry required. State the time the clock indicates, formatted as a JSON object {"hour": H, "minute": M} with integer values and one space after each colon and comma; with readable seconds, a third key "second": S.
{"hour": 3, "minute": 21}
